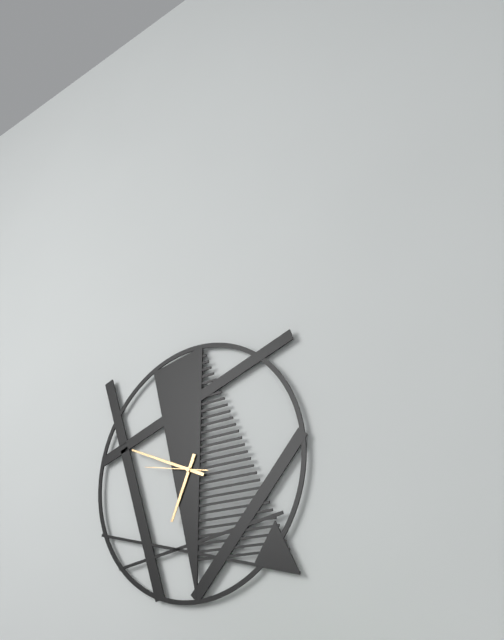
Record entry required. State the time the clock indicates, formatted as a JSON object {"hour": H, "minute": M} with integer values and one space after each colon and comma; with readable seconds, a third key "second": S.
{"hour": 6, "minute": 49, "second": 47}
